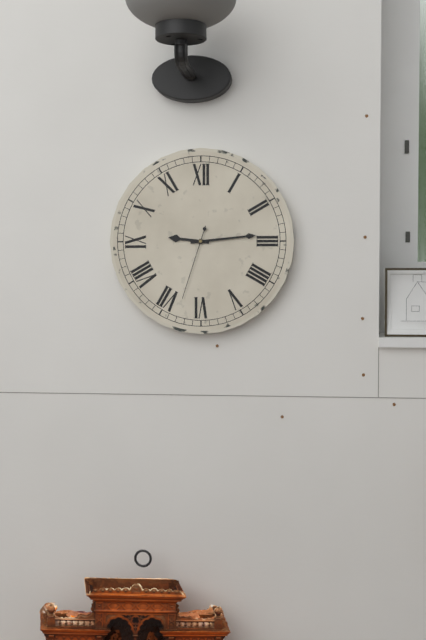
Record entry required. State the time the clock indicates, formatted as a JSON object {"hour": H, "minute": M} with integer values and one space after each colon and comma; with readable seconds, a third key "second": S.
{"hour": 9, "minute": 14, "second": 33}
